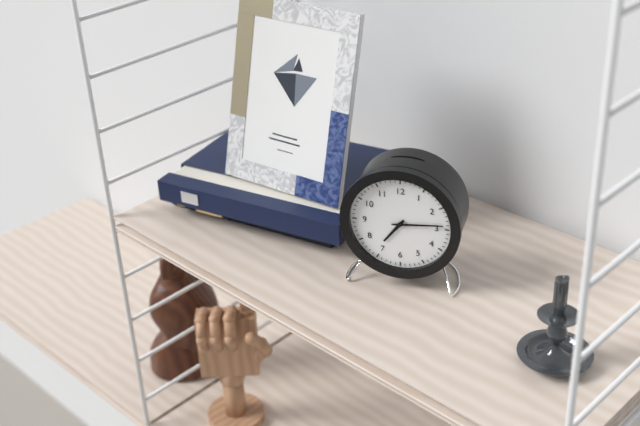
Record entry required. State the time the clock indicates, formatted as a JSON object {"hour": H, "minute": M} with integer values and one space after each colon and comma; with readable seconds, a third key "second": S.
{"hour": 7, "minute": 14}
